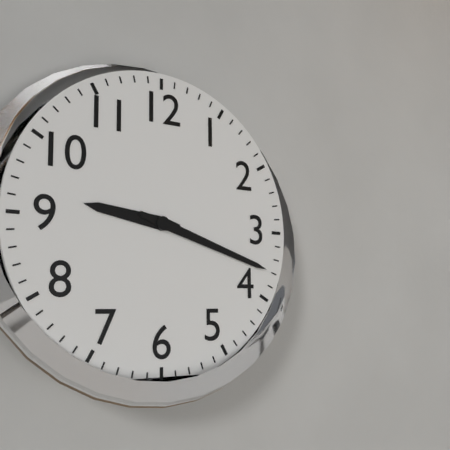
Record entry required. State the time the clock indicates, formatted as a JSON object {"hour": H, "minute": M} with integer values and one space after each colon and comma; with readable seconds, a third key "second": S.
{"hour": 9, "minute": 18}
